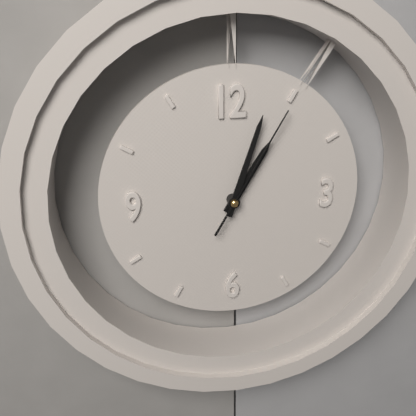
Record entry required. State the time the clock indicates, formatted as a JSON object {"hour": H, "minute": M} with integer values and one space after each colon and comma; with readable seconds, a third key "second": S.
{"hour": 1, "minute": 3, "second": 5}
